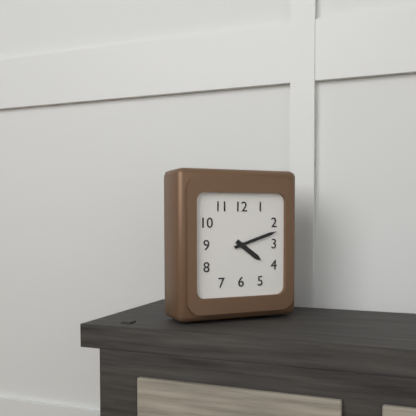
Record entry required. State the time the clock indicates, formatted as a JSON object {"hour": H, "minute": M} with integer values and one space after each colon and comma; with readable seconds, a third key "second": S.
{"hour": 4, "minute": 12}
